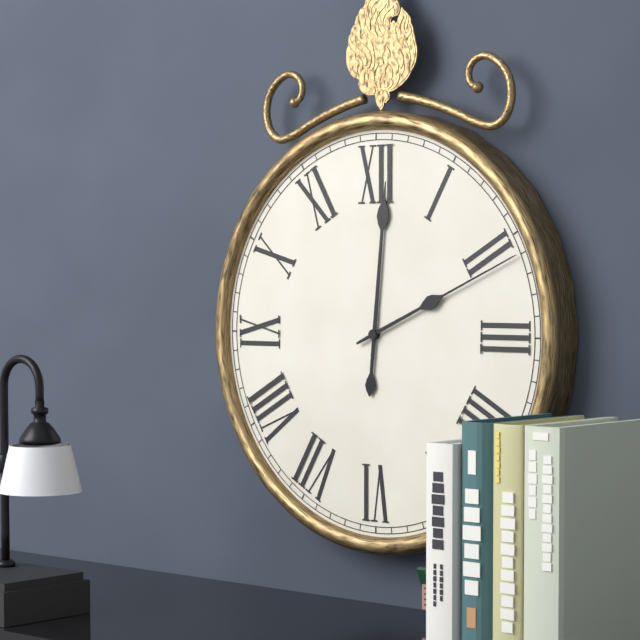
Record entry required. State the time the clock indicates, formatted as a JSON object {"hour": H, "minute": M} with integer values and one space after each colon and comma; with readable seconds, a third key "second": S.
{"hour": 12, "minute": 11}
